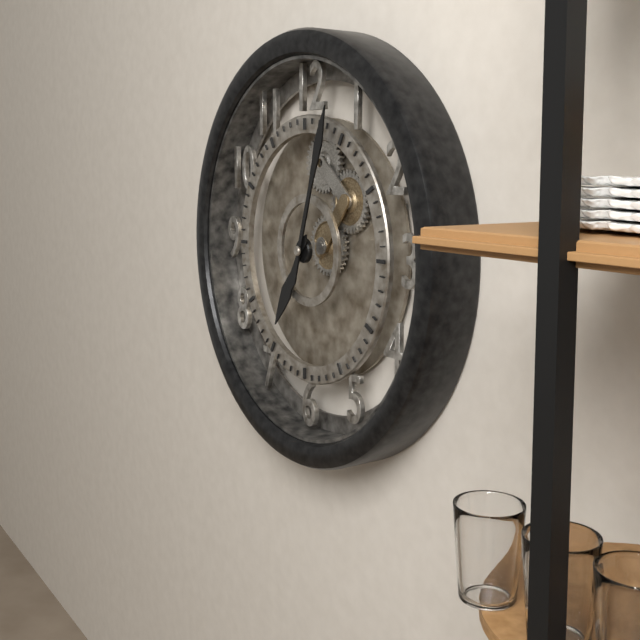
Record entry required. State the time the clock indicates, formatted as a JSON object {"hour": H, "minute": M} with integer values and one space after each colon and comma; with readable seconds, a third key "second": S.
{"hour": 7, "minute": 3}
